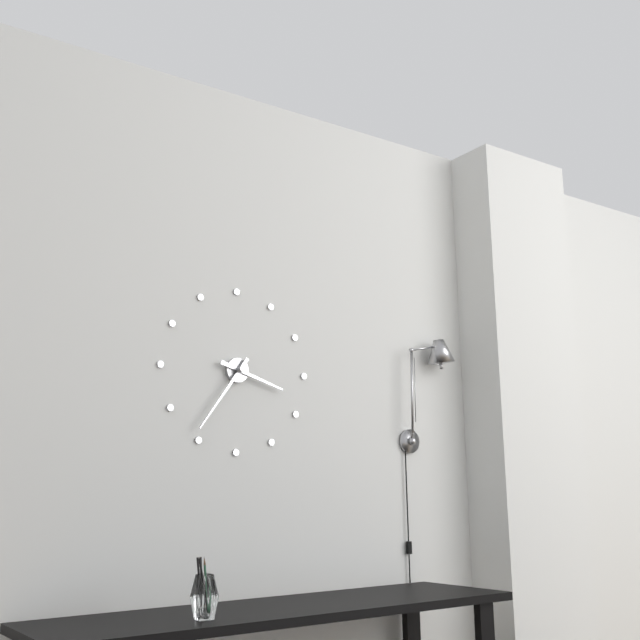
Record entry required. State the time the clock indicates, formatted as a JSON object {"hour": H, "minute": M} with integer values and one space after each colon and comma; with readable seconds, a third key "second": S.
{"hour": 3, "minute": 36}
